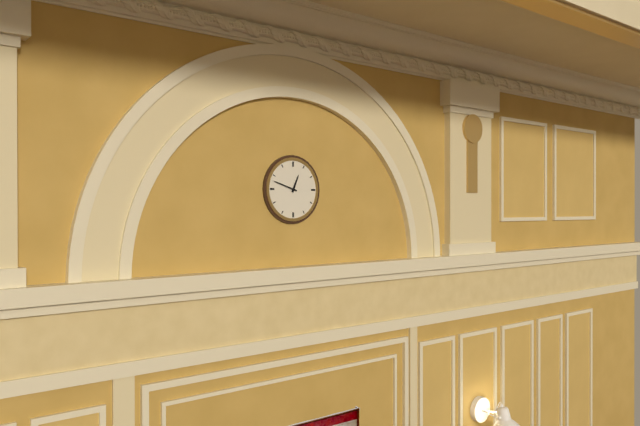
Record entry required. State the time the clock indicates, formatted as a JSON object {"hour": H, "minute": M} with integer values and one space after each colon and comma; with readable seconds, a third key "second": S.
{"hour": 12, "minute": 48}
